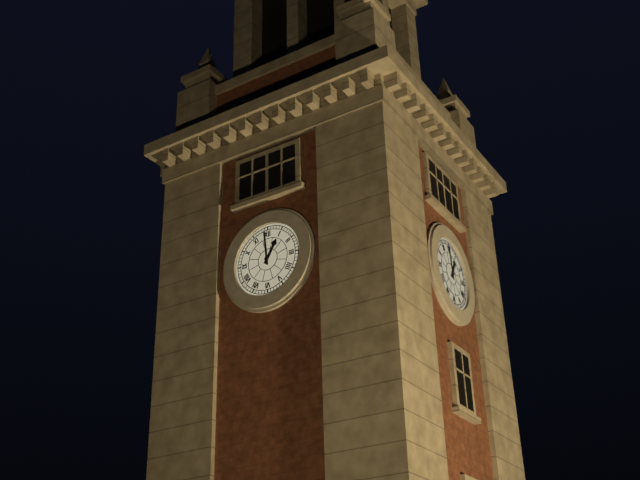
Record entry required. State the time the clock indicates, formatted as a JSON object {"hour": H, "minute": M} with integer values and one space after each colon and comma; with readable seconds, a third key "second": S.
{"hour": 12, "minute": 59}
